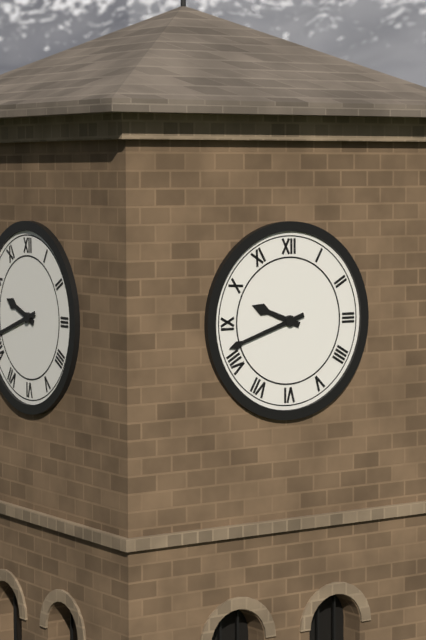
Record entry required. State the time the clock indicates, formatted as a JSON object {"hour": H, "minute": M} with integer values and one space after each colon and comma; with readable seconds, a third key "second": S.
{"hour": 9, "minute": 42}
